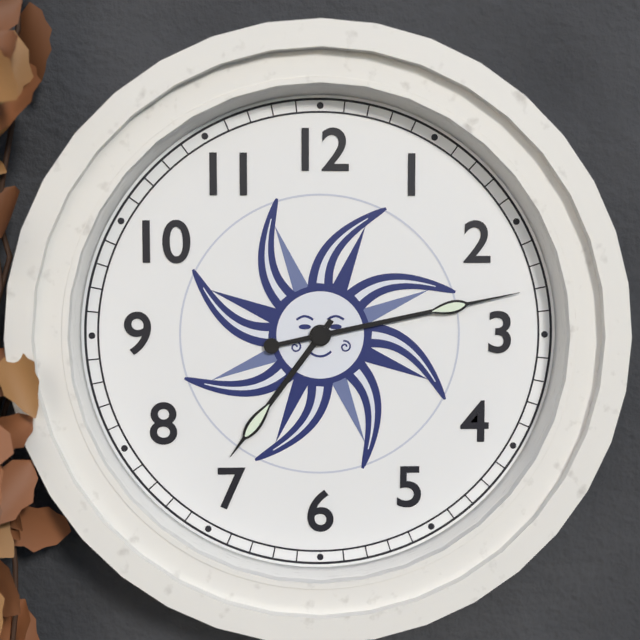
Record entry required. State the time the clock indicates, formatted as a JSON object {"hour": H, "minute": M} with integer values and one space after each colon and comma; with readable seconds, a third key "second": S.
{"hour": 7, "minute": 13}
